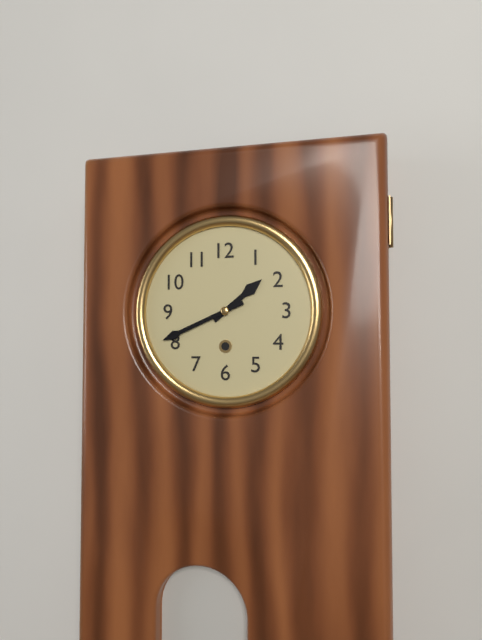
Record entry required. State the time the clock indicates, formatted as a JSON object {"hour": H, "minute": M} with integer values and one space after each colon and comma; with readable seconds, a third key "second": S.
{"hour": 1, "minute": 41}
